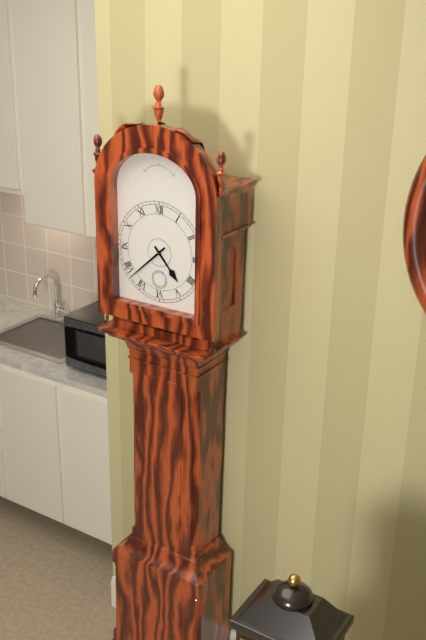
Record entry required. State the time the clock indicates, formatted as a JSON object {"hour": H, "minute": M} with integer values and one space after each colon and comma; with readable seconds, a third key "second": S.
{"hour": 4, "minute": 38}
